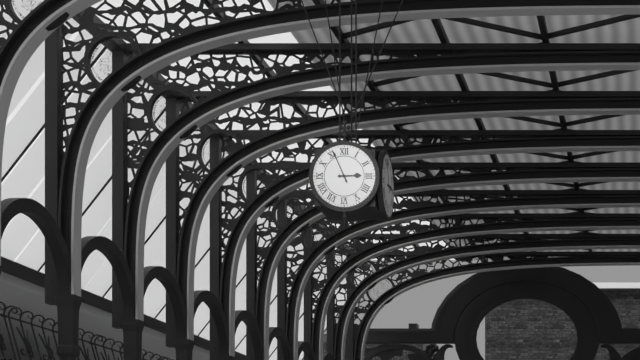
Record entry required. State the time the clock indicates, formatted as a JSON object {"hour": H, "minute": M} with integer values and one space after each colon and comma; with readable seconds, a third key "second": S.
{"hour": 2, "minute": 56}
